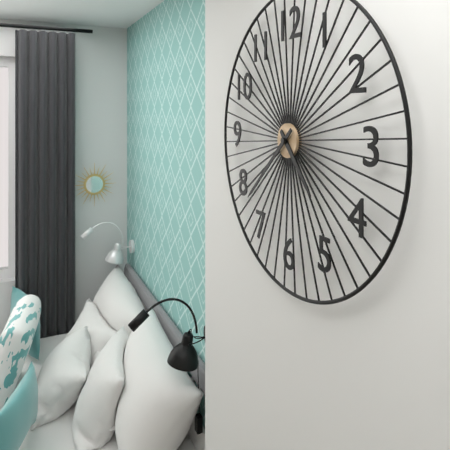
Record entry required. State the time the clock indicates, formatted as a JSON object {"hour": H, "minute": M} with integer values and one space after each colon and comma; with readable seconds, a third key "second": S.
{"hour": 4, "minute": 38}
